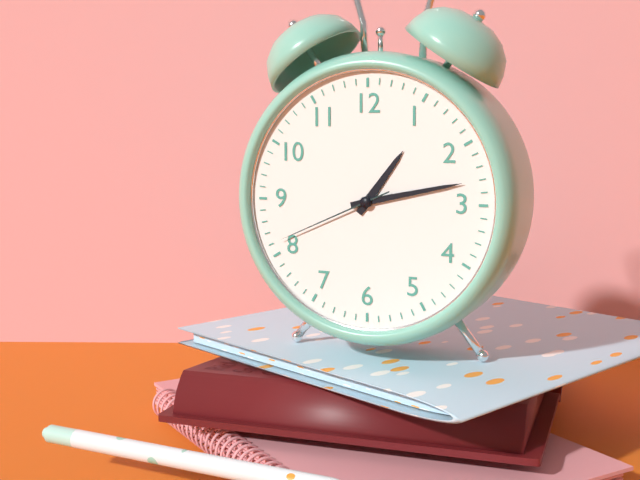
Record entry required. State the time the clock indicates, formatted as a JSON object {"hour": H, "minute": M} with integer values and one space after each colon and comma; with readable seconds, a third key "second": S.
{"hour": 1, "minute": 13, "second": 41}
